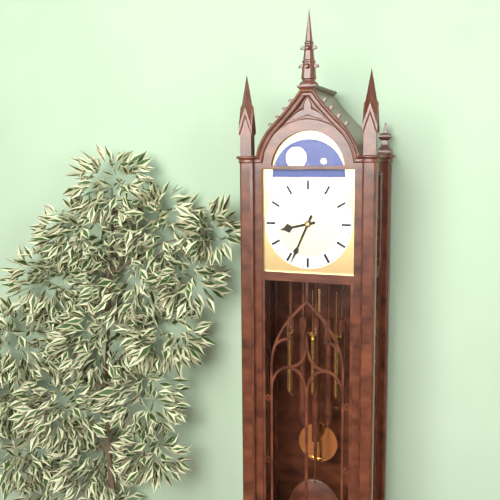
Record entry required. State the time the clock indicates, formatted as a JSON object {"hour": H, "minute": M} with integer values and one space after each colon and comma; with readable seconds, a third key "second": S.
{"hour": 8, "minute": 34}
